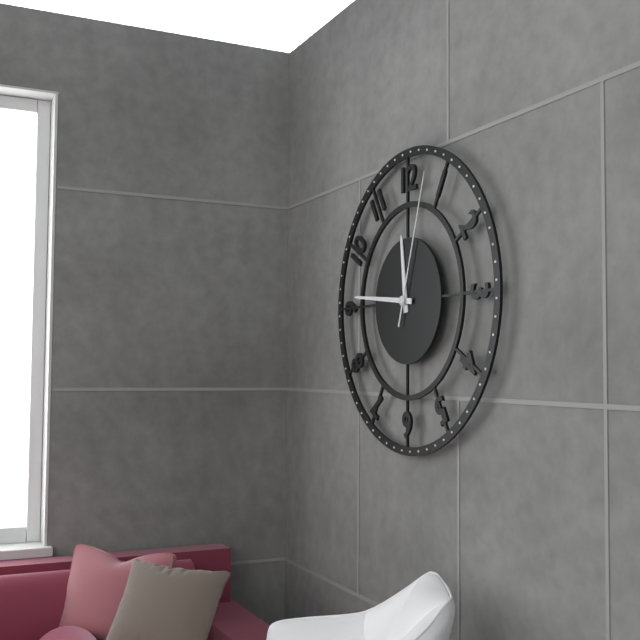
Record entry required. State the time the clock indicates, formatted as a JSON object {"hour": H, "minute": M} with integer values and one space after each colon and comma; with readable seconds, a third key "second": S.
{"hour": 11, "minute": 46, "second": 3}
